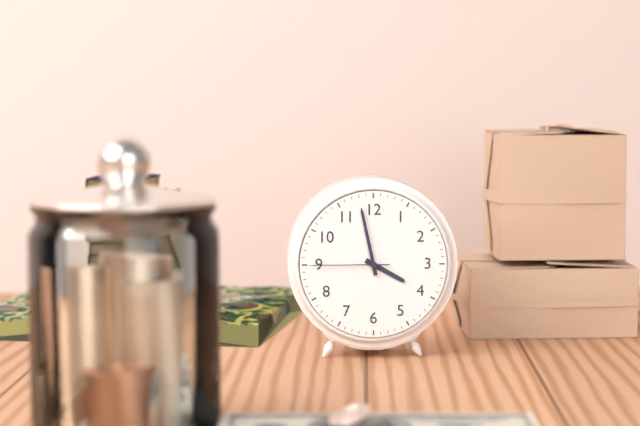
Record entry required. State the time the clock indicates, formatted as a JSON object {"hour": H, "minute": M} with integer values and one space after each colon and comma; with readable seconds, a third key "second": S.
{"hour": 3, "minute": 58, "second": 45}
